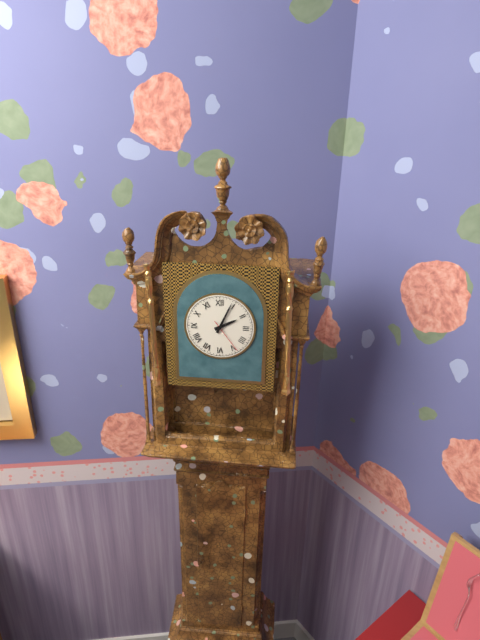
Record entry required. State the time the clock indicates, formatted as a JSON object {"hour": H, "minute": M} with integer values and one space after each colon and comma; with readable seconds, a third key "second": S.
{"hour": 2, "minute": 4}
